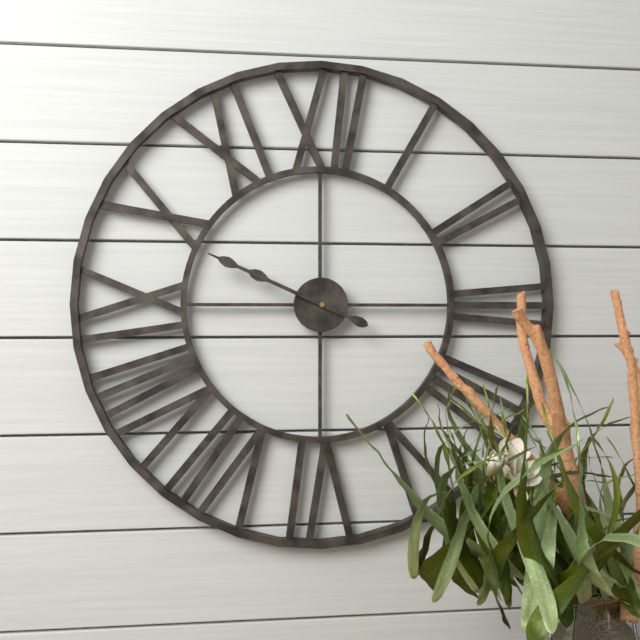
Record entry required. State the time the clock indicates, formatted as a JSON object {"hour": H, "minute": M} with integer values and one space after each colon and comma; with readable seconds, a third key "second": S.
{"hour": 9, "minute": 49}
